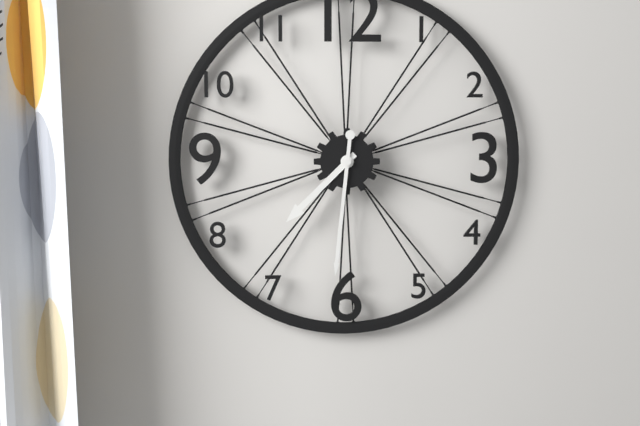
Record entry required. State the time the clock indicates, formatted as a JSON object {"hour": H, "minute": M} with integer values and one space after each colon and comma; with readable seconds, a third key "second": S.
{"hour": 7, "minute": 31}
